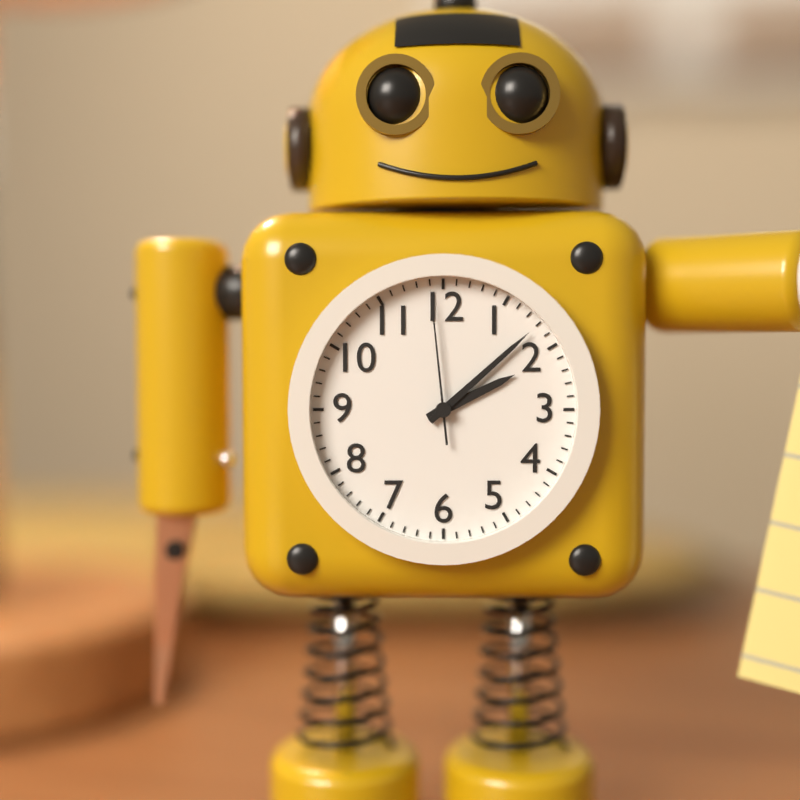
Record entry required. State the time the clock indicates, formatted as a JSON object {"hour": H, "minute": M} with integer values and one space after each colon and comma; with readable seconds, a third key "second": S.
{"hour": 2, "minute": 8, "second": 59}
